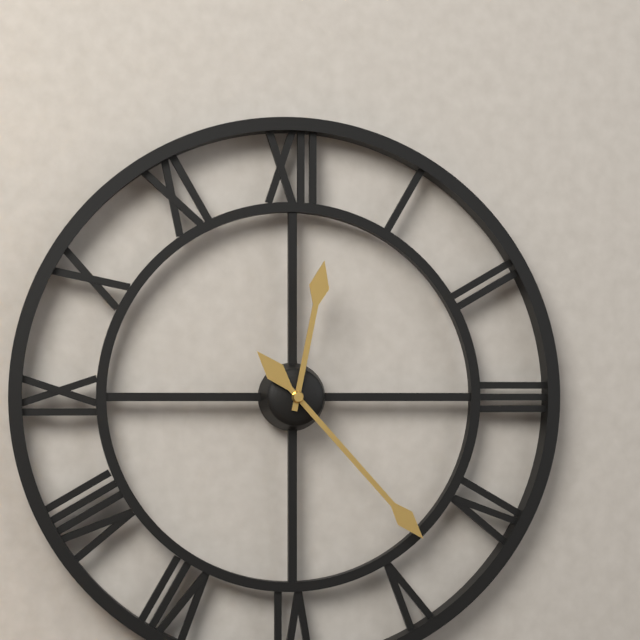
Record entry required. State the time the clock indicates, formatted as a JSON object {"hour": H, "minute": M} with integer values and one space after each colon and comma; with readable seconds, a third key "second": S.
{"hour": 12, "minute": 23}
